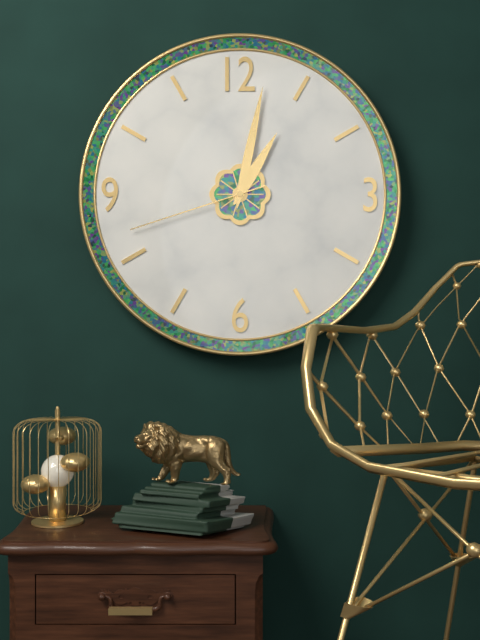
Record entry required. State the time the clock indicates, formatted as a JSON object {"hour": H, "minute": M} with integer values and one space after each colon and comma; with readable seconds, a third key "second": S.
{"hour": 1, "minute": 2, "second": 42}
